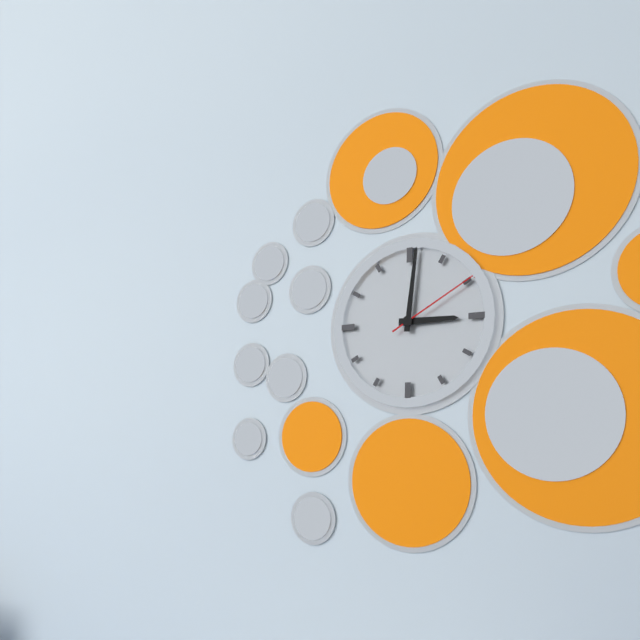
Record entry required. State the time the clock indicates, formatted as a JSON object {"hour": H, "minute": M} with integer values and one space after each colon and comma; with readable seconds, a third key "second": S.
{"hour": 3, "minute": 1, "second": 10}
